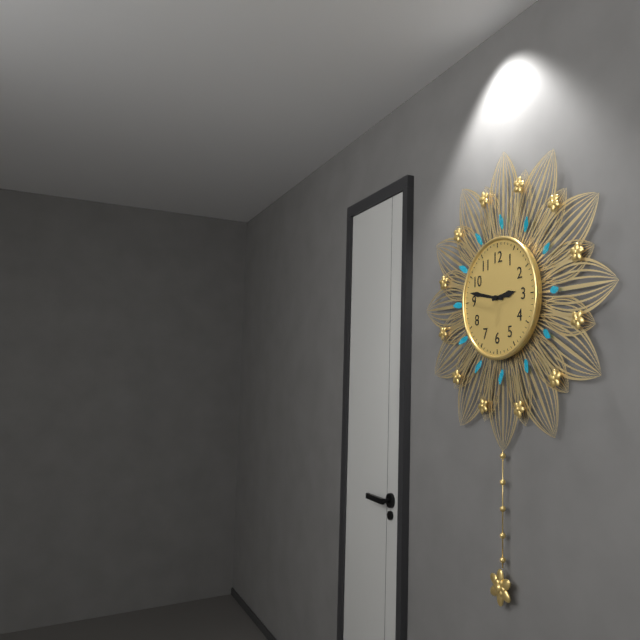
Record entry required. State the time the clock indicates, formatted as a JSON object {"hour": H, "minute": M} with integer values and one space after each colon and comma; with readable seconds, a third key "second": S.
{"hour": 2, "minute": 47}
